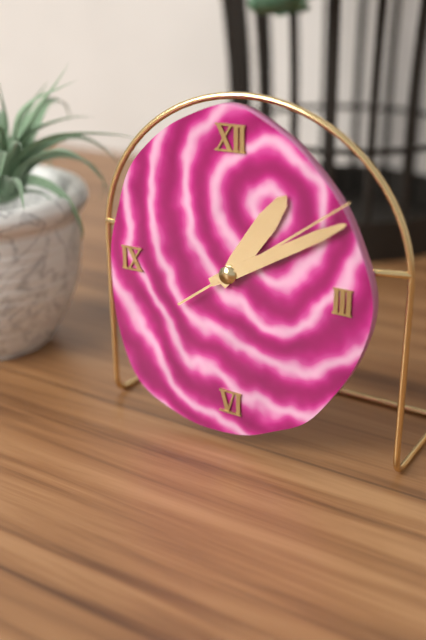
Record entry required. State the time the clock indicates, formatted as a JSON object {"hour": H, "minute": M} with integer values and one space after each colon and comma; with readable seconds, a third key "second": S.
{"hour": 1, "minute": 10, "second": 9}
